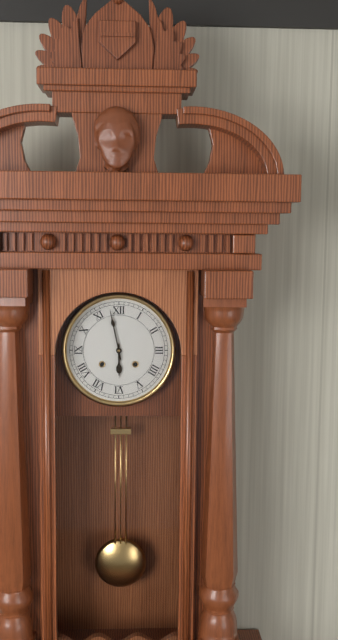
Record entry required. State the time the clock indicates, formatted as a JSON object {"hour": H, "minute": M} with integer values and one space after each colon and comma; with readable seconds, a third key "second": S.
{"hour": 5, "minute": 58}
